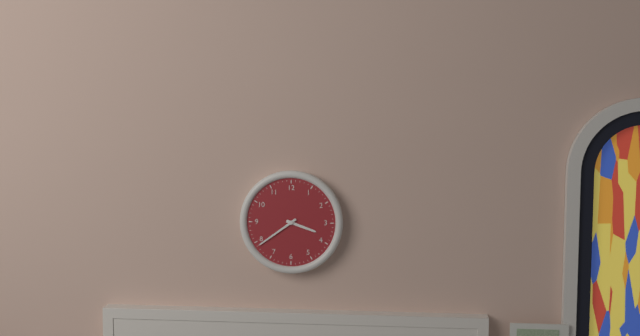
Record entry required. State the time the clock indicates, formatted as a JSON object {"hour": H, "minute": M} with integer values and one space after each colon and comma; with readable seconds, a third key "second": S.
{"hour": 3, "minute": 39}
